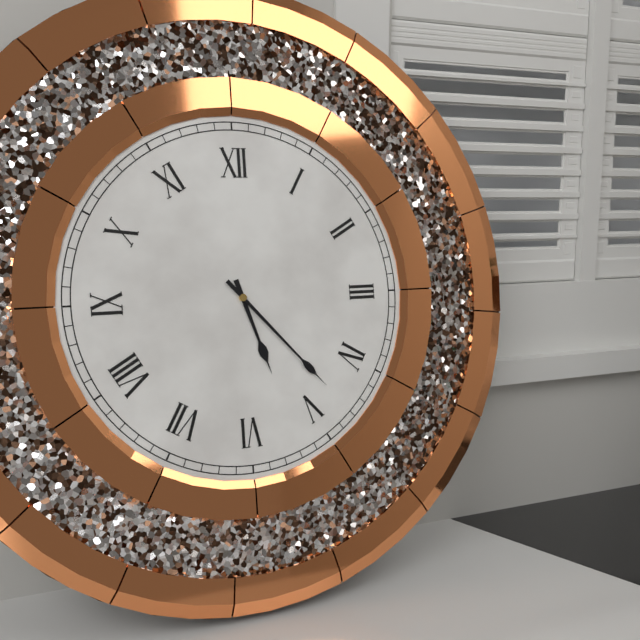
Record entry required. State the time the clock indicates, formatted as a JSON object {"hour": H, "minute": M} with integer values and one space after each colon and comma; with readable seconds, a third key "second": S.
{"hour": 5, "minute": 23}
